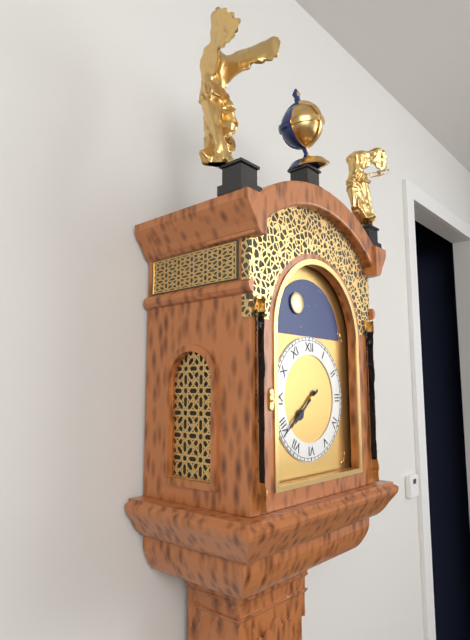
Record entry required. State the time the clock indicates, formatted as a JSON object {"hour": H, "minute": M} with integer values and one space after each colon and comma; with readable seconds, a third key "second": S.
{"hour": 7, "minute": 39}
